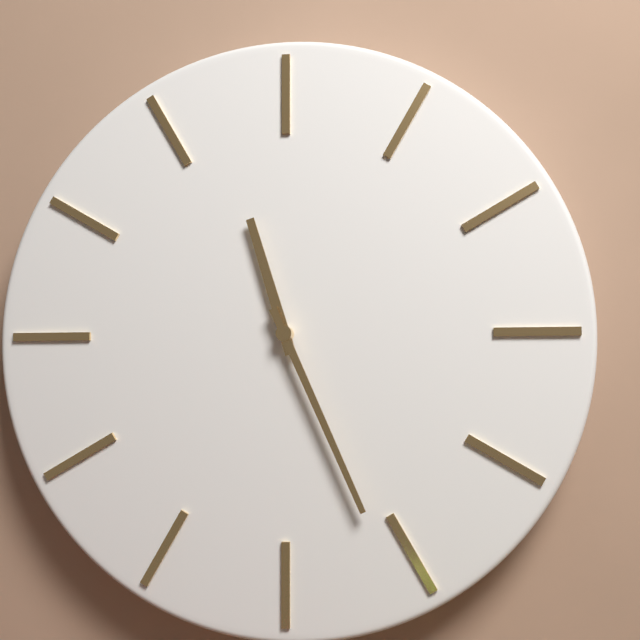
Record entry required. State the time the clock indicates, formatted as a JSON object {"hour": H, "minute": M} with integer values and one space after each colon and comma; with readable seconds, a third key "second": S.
{"hour": 11, "minute": 26}
